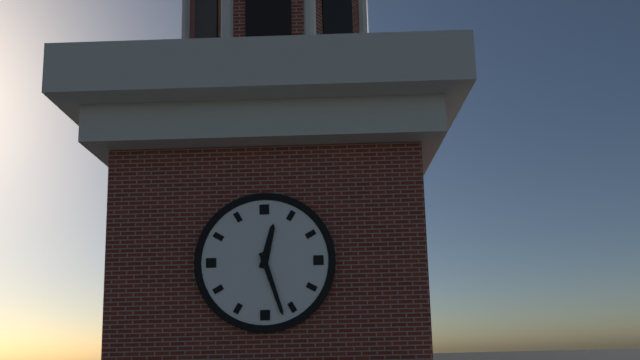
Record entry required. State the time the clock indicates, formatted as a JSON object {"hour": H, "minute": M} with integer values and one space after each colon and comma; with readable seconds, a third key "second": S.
{"hour": 12, "minute": 27}
